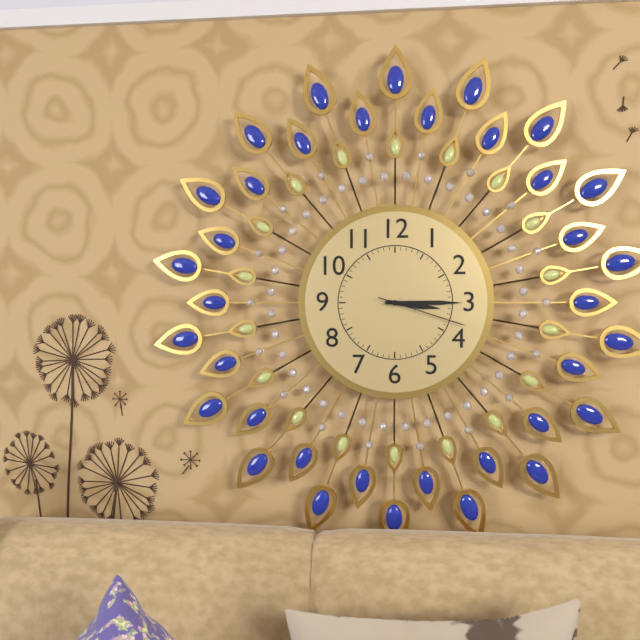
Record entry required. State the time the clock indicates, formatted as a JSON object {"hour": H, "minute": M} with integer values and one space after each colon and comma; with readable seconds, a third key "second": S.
{"hour": 3, "minute": 15, "second": 18}
